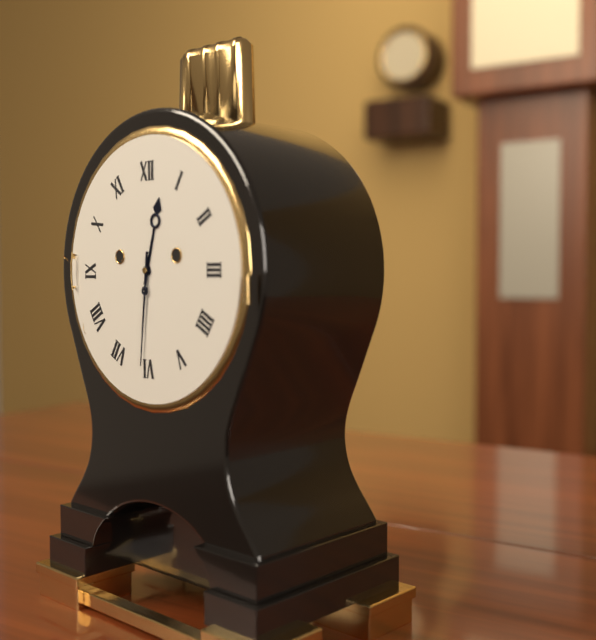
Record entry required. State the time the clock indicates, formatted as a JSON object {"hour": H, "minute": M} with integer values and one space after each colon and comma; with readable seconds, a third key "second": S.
{"hour": 12, "minute": 31}
